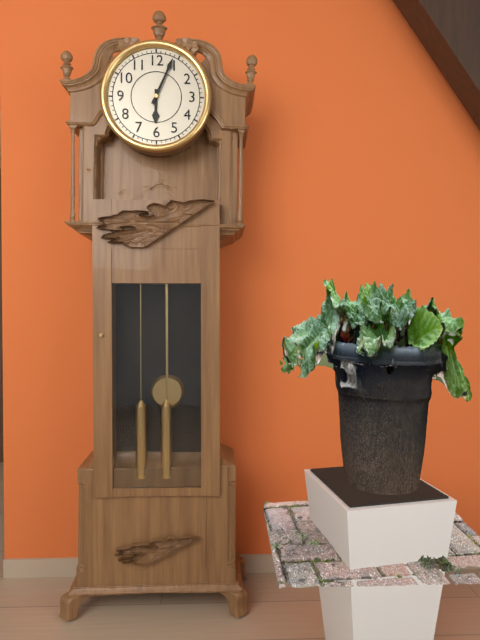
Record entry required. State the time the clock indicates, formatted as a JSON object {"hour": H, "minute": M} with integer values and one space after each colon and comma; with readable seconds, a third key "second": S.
{"hour": 6, "minute": 4}
